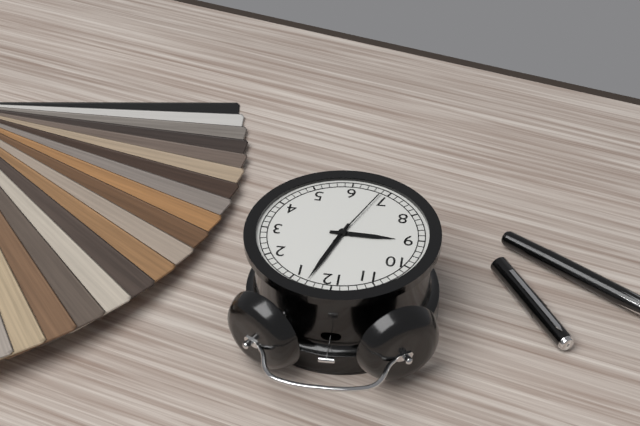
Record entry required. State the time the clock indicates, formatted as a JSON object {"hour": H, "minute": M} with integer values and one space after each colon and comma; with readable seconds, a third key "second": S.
{"hour": 9, "minute": 3, "second": 34}
